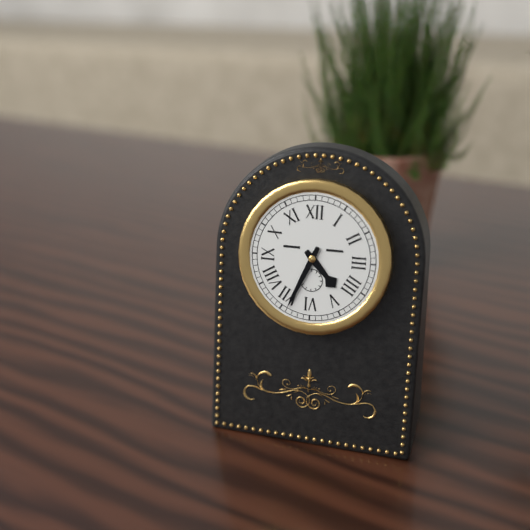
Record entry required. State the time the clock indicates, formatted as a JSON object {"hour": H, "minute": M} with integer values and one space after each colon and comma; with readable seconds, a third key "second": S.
{"hour": 4, "minute": 34}
